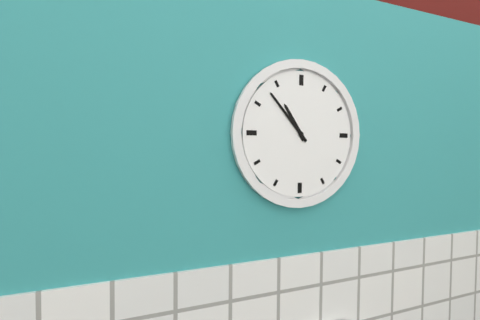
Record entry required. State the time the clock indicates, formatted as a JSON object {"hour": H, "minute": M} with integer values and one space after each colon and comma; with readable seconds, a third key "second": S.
{"hour": 10, "minute": 53}
